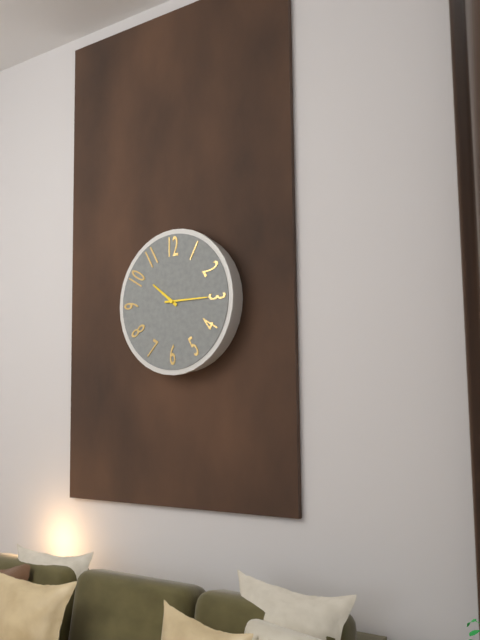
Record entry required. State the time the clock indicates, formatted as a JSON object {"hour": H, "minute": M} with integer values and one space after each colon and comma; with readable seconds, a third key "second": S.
{"hour": 10, "minute": 15}
